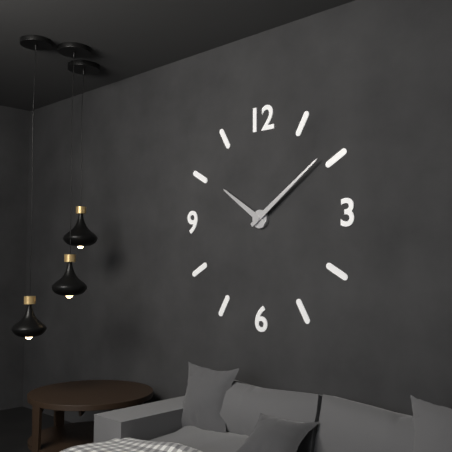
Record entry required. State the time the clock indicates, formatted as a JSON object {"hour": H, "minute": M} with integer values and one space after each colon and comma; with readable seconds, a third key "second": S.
{"hour": 10, "minute": 9}
